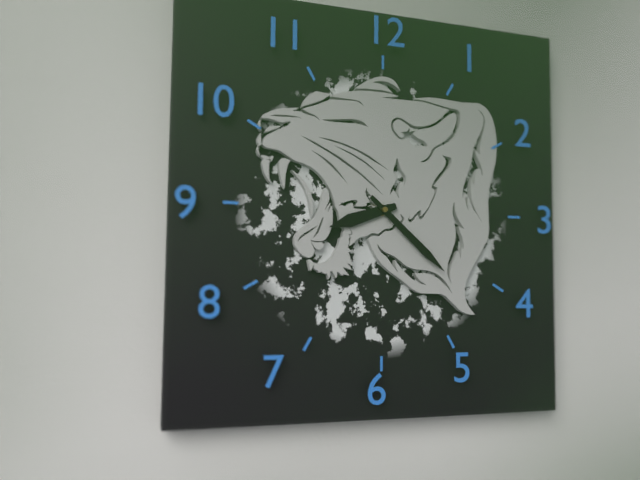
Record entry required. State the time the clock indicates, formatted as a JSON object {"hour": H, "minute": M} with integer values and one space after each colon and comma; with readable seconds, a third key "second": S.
{"hour": 8, "minute": 22}
